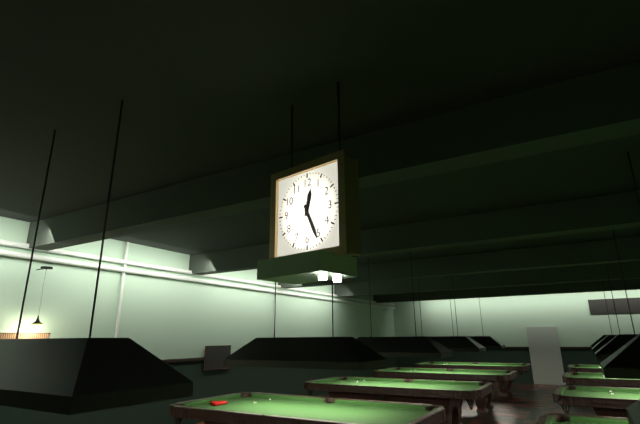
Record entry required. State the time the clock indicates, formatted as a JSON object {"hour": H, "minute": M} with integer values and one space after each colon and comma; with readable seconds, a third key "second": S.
{"hour": 12, "minute": 26}
